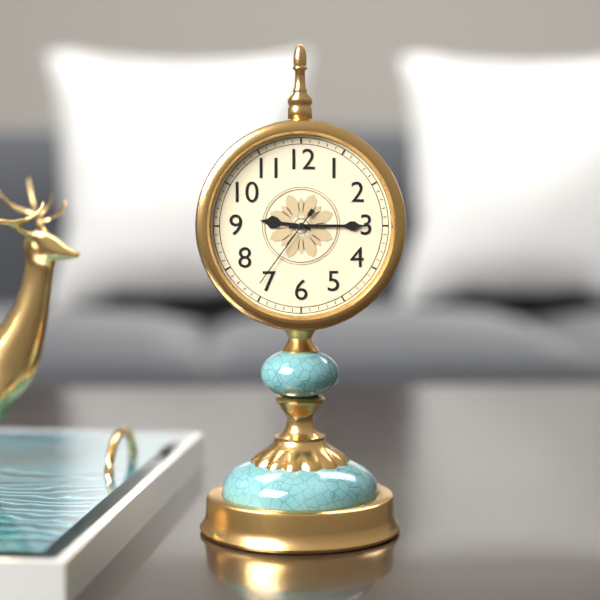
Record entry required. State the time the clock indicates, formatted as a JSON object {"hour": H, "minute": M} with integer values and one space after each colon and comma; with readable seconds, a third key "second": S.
{"hour": 9, "minute": 15, "second": 36}
